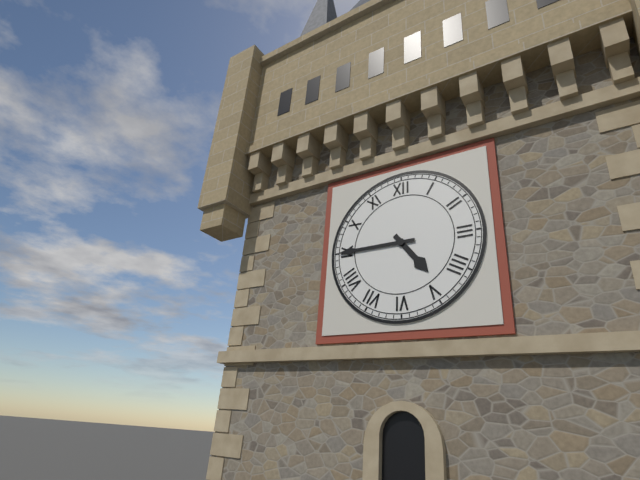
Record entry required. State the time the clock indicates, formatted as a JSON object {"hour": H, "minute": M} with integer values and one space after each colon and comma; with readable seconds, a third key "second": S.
{"hour": 4, "minute": 45}
